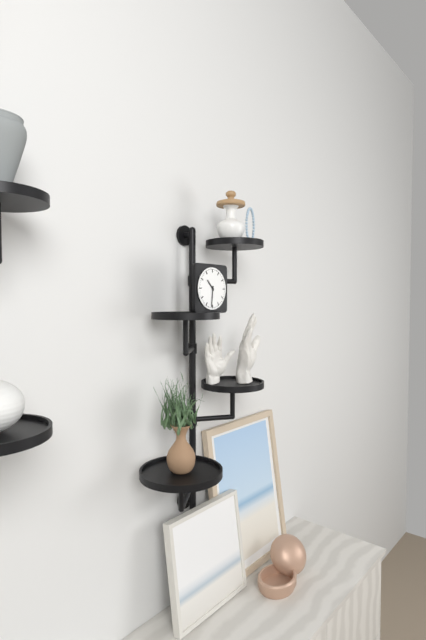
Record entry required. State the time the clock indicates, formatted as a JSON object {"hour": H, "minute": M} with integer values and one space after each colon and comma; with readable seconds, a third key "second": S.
{"hour": 10, "minute": 31}
